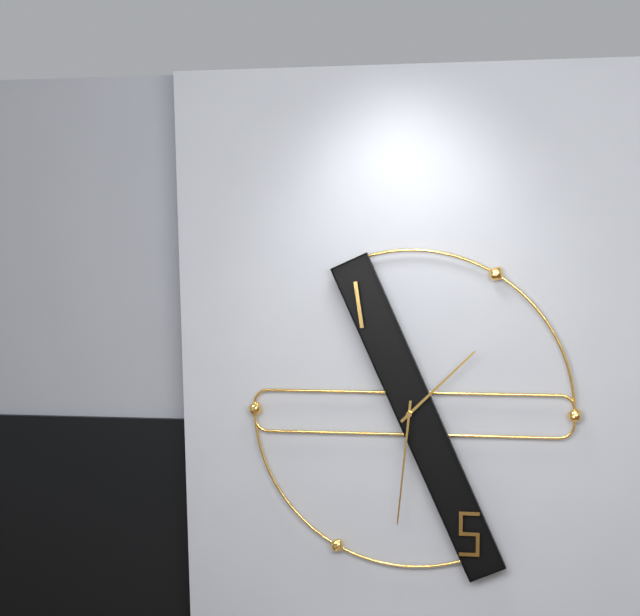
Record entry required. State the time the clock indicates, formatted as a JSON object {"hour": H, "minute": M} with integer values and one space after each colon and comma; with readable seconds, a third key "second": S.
{"hour": 1, "minute": 31}
